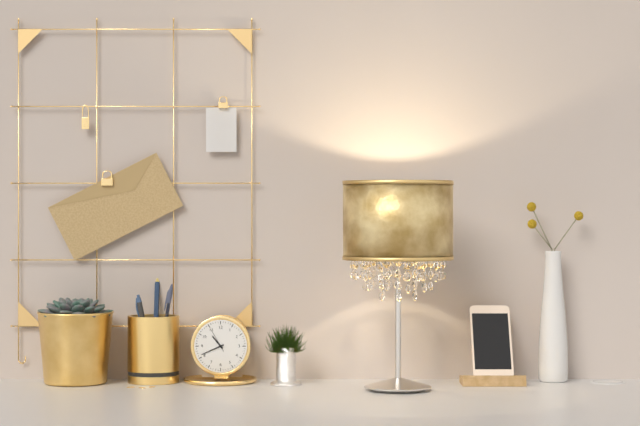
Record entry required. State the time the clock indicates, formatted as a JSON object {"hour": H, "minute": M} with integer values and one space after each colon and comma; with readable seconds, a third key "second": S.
{"hour": 10, "minute": 41}
